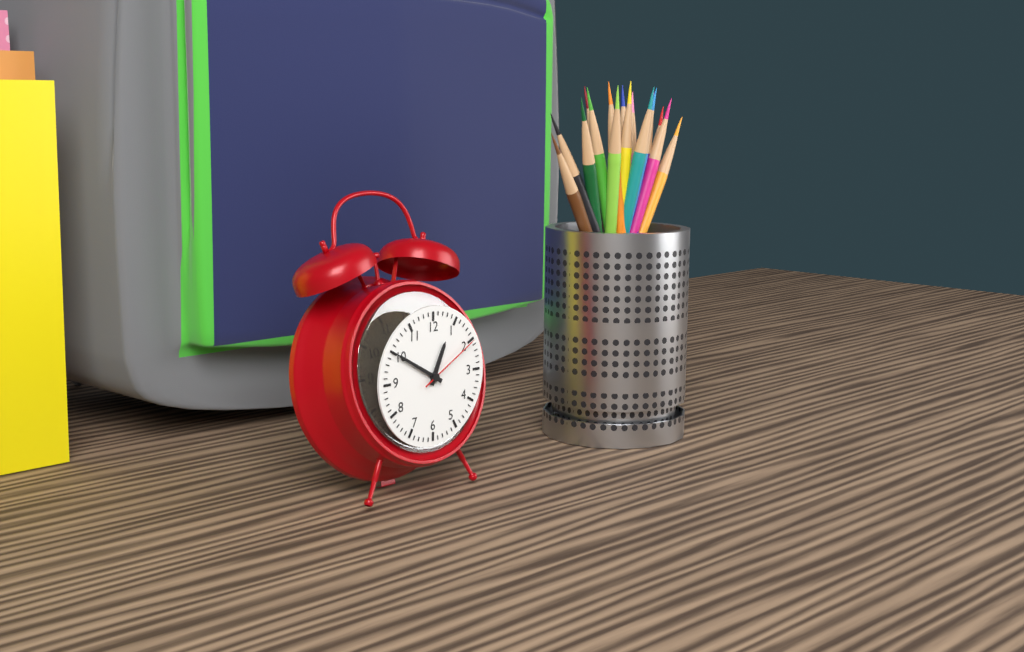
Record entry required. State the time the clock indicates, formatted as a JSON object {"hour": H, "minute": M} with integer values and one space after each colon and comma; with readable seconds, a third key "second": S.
{"hour": 12, "minute": 50, "second": 10}
